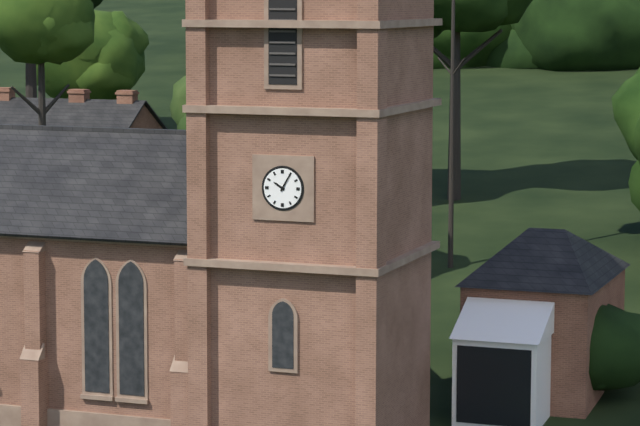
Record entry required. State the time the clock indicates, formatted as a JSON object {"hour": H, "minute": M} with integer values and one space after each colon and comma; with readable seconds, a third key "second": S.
{"hour": 10, "minute": 5}
